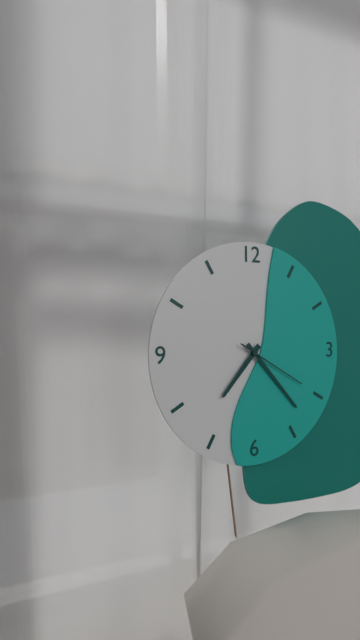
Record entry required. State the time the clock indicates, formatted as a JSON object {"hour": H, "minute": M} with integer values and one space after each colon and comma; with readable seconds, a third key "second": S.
{"hour": 7, "minute": 23, "second": 20}
